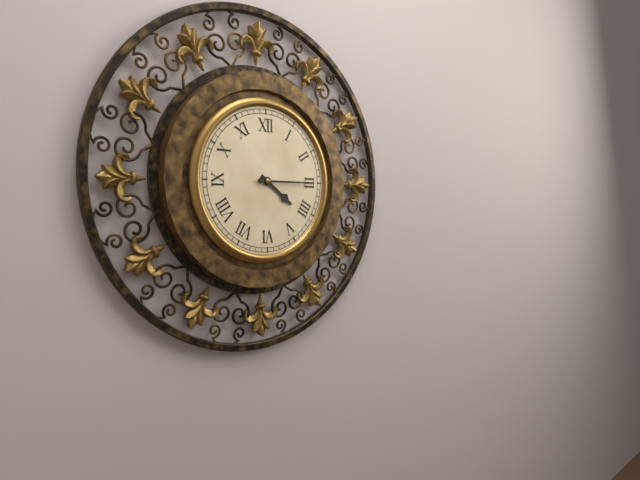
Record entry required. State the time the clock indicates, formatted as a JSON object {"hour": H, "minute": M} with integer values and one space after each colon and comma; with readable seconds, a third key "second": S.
{"hour": 4, "minute": 15}
